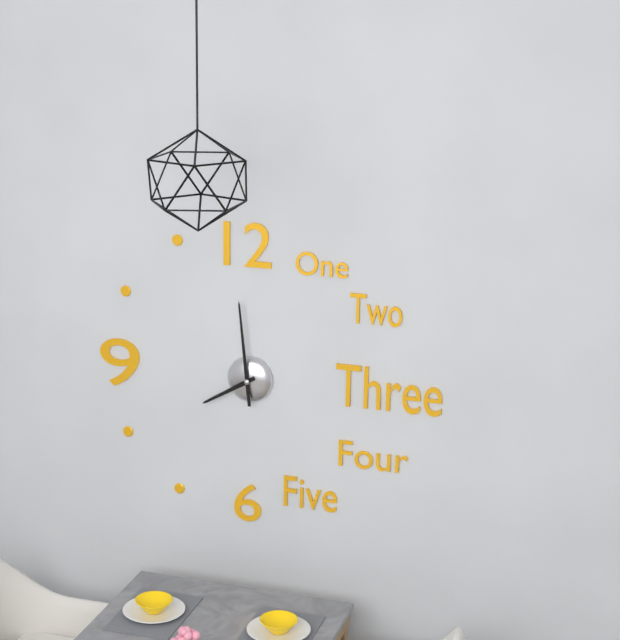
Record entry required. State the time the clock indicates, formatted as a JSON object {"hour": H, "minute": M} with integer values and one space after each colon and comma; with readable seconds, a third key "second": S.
{"hour": 7, "minute": 59}
